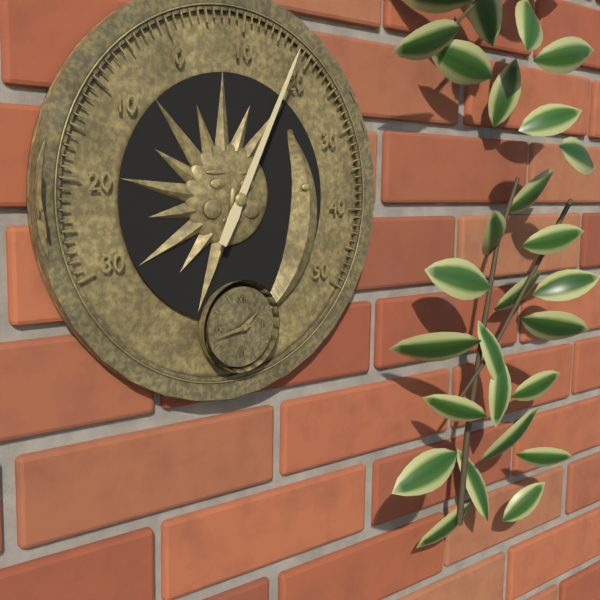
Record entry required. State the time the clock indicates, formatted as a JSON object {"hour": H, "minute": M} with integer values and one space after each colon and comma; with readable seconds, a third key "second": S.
{"hour": 1, "minute": 43}
